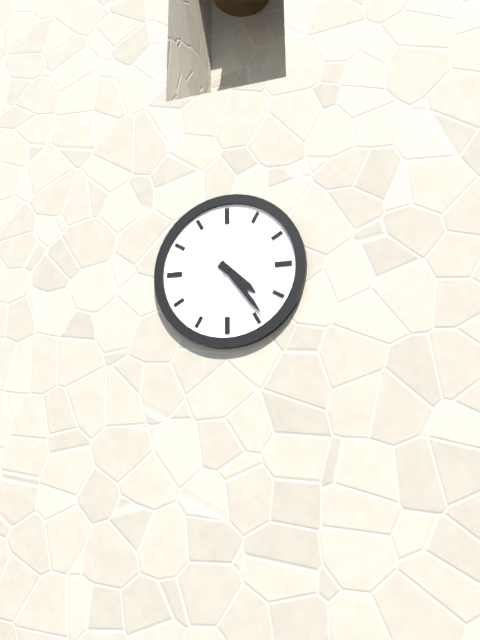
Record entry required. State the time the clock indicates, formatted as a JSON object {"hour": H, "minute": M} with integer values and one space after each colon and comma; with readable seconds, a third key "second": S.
{"hour": 4, "minute": 24}
